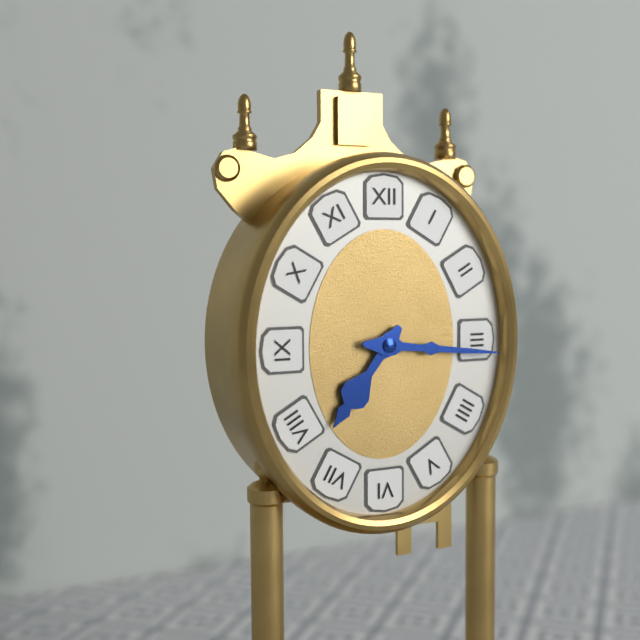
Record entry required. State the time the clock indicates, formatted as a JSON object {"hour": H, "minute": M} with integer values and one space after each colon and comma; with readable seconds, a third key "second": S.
{"hour": 7, "minute": 16}
